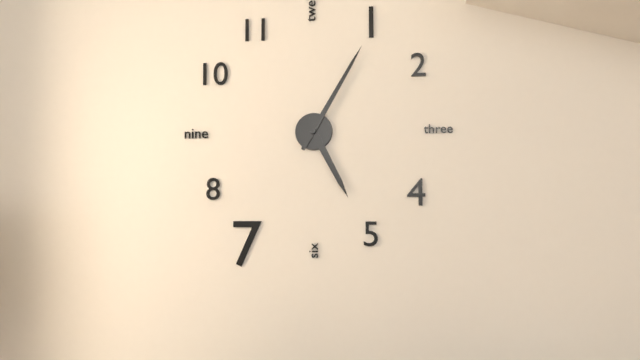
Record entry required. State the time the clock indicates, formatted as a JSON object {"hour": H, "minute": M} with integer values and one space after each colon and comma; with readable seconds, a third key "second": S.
{"hour": 5, "minute": 5}
